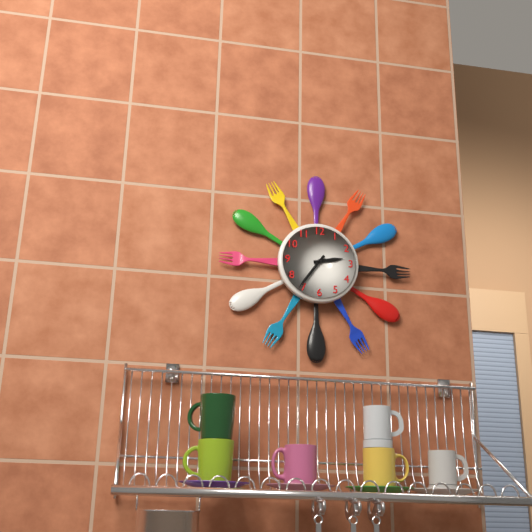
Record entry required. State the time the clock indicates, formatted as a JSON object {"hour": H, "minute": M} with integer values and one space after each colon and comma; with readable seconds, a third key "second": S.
{"hour": 2, "minute": 36}
